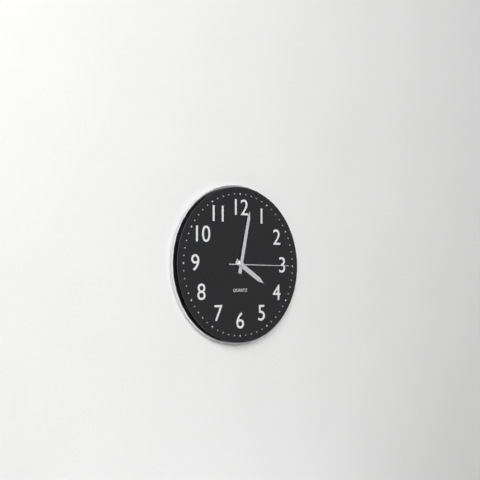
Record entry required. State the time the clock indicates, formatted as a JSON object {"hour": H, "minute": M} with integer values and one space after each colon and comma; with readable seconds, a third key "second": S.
{"hour": 4, "minute": 2, "second": 15}
